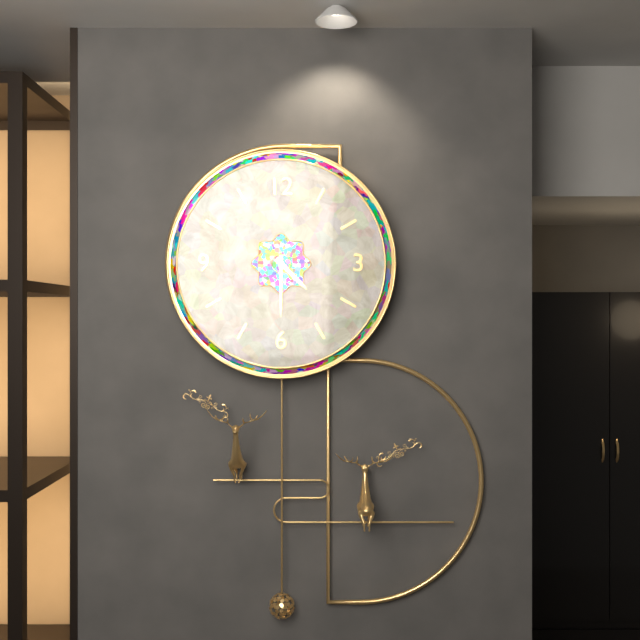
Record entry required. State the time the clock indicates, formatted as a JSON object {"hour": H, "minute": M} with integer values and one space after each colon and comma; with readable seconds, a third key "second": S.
{"hour": 4, "minute": 30}
